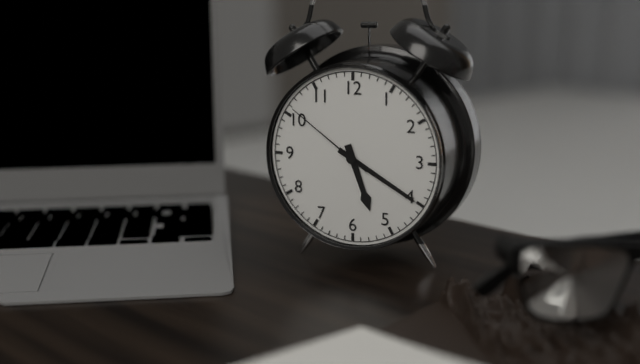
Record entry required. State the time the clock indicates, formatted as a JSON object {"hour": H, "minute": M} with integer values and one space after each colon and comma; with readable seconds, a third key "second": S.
{"hour": 5, "minute": 20, "second": 51}
